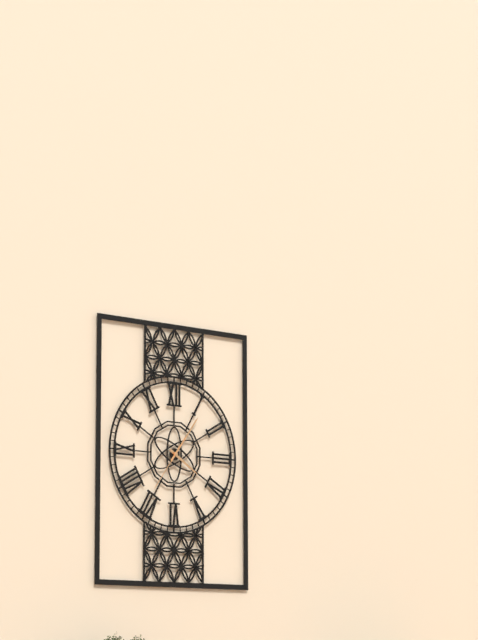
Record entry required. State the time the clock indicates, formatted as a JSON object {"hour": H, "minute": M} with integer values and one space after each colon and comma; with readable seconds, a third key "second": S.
{"hour": 4, "minute": 6}
